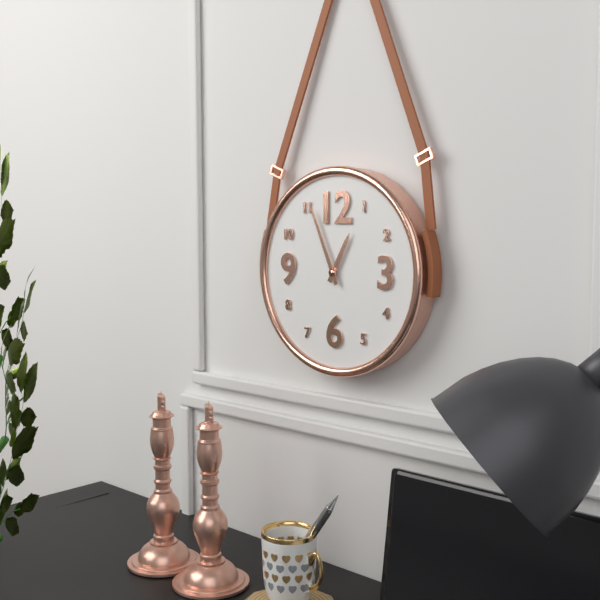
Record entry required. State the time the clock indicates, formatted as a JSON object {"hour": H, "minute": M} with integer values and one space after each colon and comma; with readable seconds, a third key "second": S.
{"hour": 12, "minute": 56}
